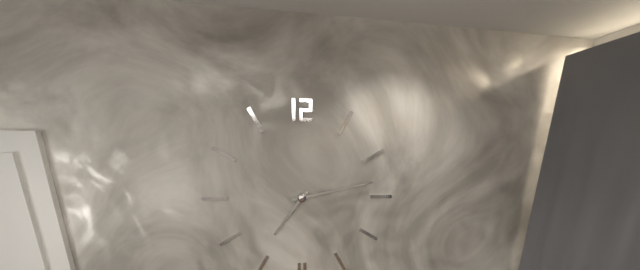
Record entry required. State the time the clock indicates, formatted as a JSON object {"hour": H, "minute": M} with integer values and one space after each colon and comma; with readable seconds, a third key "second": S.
{"hour": 7, "minute": 13}
